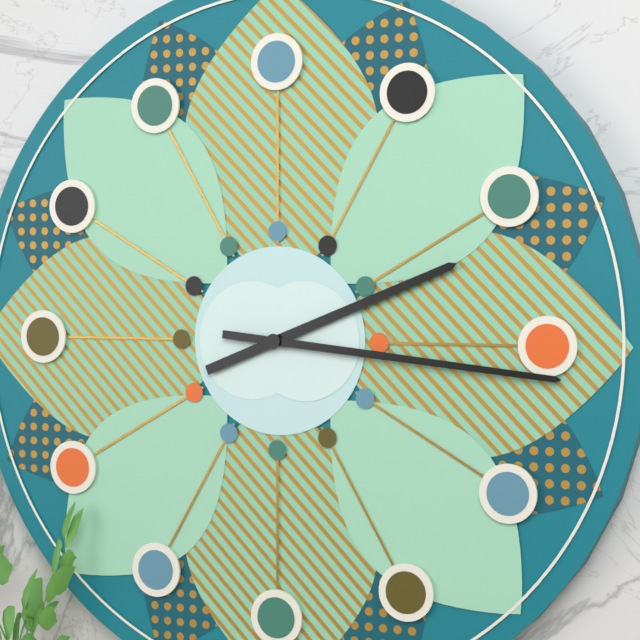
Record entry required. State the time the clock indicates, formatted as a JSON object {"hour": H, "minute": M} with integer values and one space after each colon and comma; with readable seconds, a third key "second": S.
{"hour": 2, "minute": 16}
